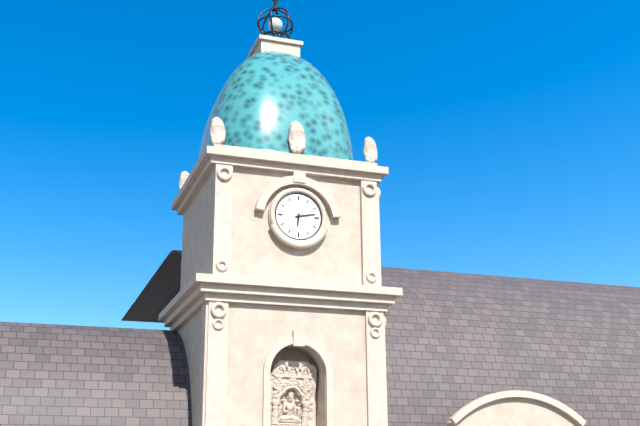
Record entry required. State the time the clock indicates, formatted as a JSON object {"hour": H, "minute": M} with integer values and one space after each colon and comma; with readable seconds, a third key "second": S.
{"hour": 6, "minute": 13}
